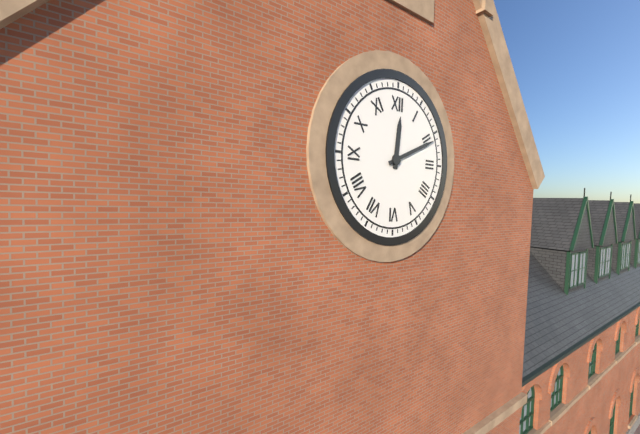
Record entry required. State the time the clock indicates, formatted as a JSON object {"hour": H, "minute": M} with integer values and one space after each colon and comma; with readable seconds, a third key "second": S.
{"hour": 12, "minute": 11}
